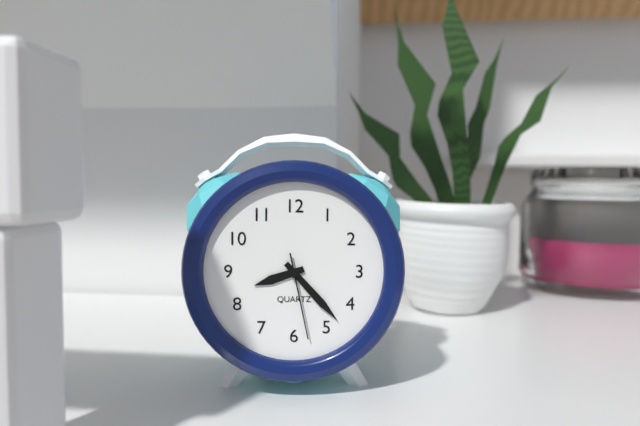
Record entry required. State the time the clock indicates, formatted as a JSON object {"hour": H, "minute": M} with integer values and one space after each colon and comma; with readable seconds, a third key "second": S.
{"hour": 8, "minute": 23, "second": 28}
